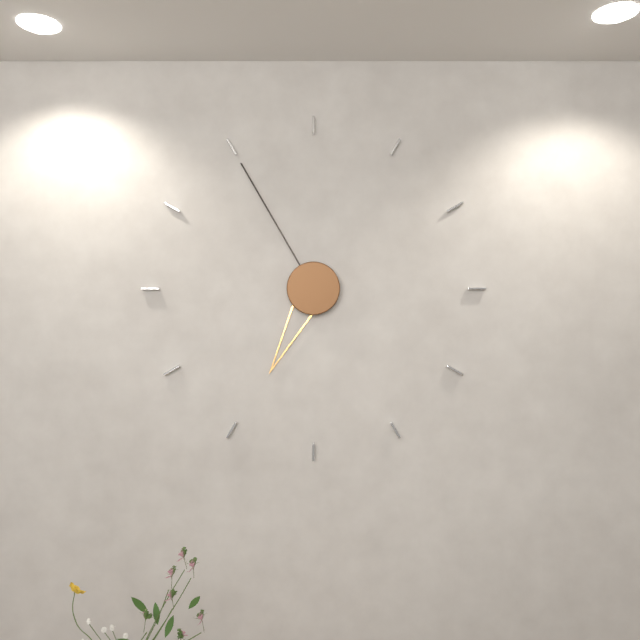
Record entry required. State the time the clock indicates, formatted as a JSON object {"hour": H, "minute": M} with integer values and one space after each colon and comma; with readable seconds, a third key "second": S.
{"hour": 6, "minute": 55}
